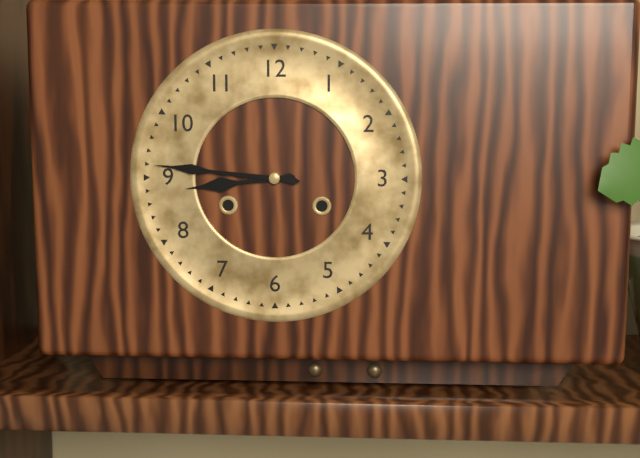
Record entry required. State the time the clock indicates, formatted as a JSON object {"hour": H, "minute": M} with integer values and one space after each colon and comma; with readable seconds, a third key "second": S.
{"hour": 8, "minute": 46}
